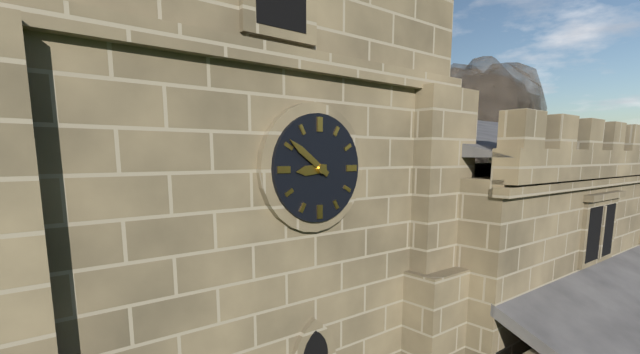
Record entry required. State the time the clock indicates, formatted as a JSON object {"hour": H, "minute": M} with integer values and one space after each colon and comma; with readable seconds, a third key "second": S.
{"hour": 8, "minute": 51}
